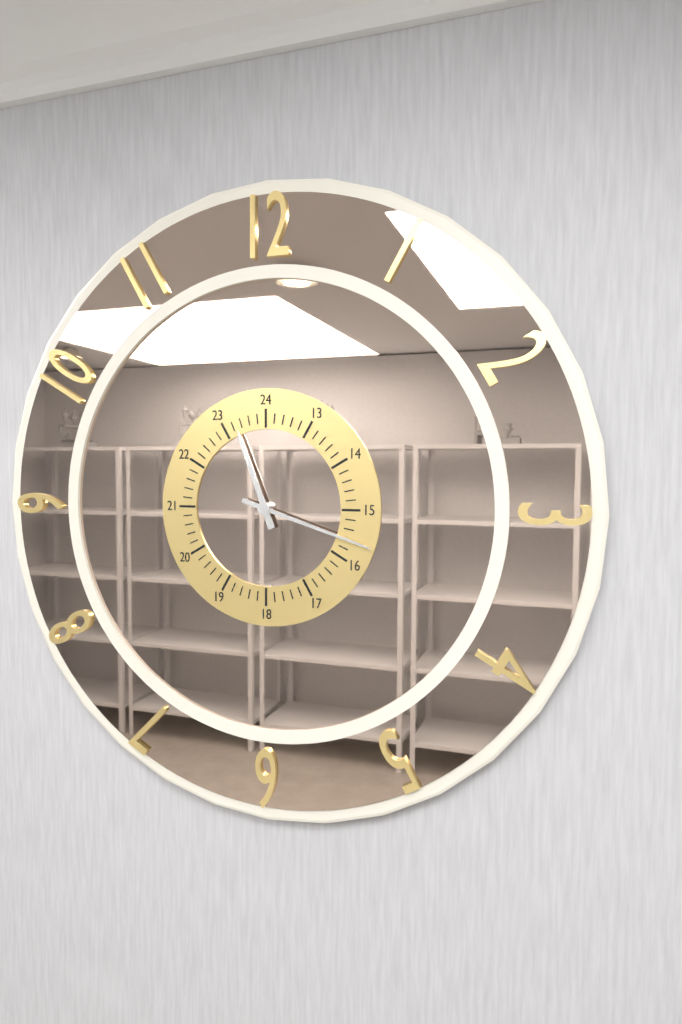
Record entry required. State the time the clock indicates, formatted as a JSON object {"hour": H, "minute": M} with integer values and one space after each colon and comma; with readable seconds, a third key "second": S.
{"hour": 11, "minute": 18}
